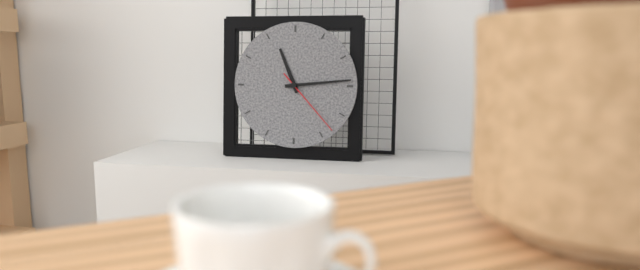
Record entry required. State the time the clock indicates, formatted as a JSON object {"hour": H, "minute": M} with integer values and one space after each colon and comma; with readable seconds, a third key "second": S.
{"hour": 11, "minute": 14, "second": 23}
